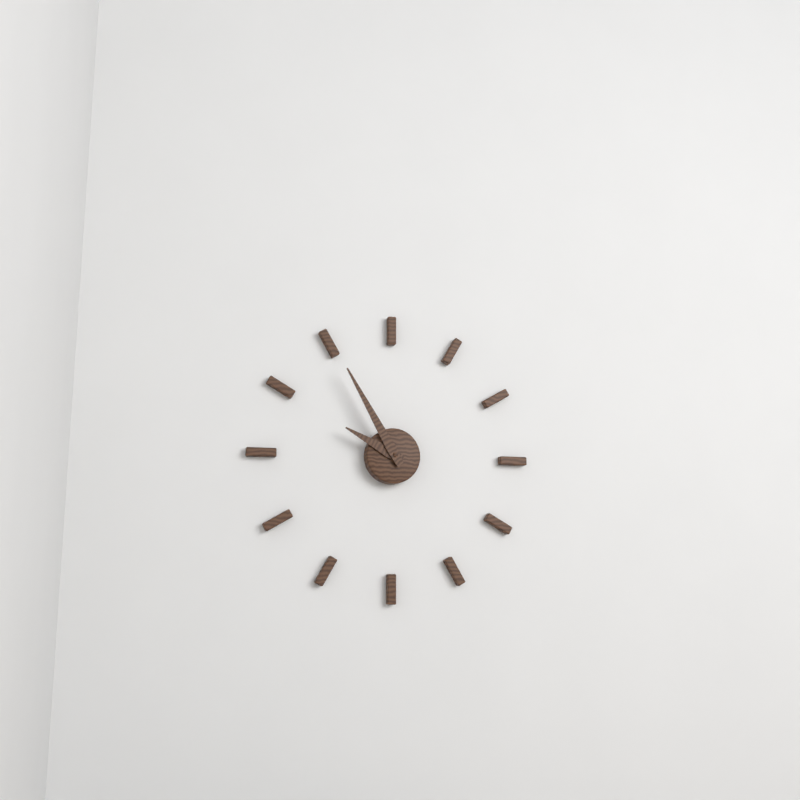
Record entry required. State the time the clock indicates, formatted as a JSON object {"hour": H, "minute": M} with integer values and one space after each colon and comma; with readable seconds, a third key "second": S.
{"hour": 9, "minute": 55}
